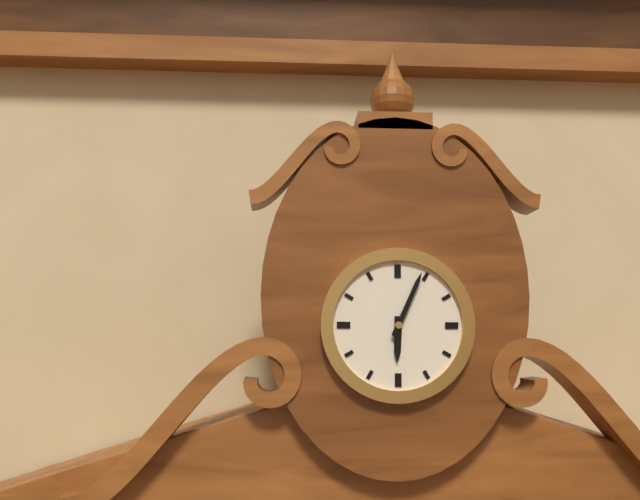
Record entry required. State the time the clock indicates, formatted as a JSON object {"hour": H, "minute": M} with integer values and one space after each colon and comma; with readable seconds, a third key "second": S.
{"hour": 6, "minute": 4}
